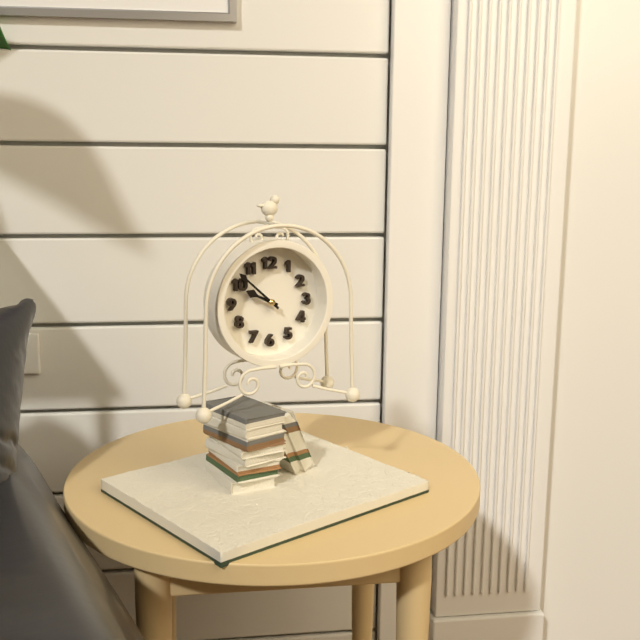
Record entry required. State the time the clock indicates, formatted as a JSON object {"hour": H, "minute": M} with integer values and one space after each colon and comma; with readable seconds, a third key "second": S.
{"hour": 9, "minute": 52}
